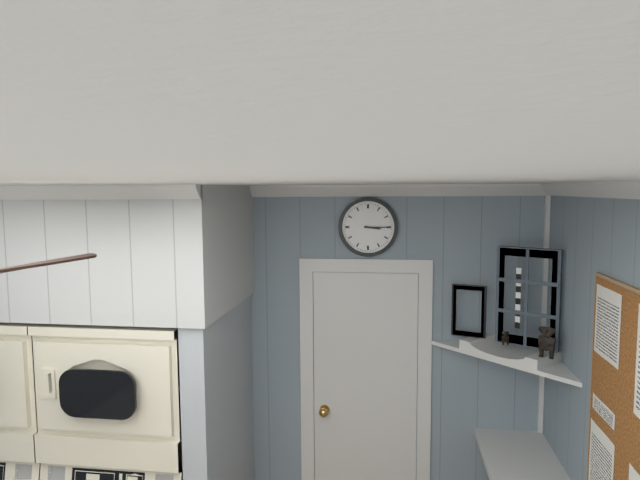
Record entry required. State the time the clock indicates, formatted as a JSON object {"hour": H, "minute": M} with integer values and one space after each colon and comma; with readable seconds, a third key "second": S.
{"hour": 3, "minute": 15}
